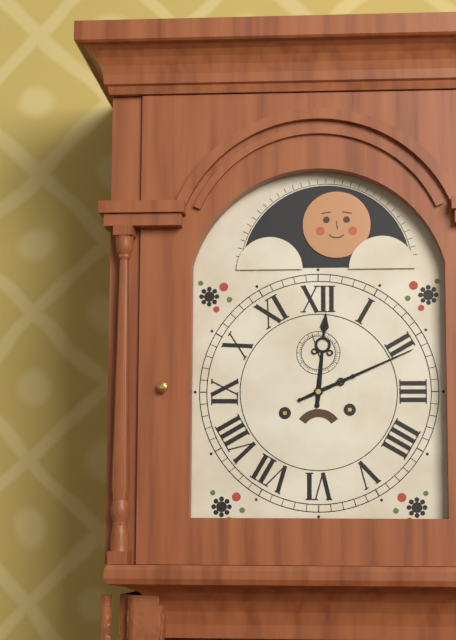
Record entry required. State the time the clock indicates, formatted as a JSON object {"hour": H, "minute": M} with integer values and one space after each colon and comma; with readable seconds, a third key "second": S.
{"hour": 12, "minute": 11}
